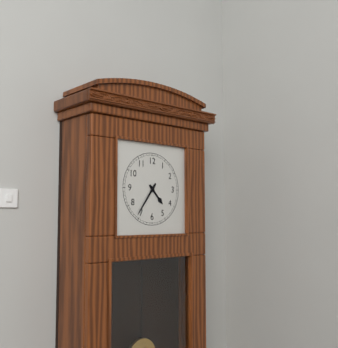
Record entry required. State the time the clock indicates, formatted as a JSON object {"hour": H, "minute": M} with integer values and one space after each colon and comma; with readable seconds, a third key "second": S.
{"hour": 4, "minute": 36}
